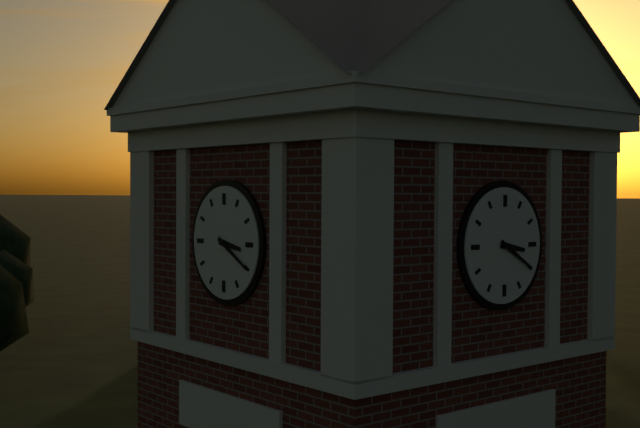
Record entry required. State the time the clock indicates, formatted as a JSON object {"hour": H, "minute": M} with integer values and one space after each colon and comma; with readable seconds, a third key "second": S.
{"hour": 3, "minute": 20}
